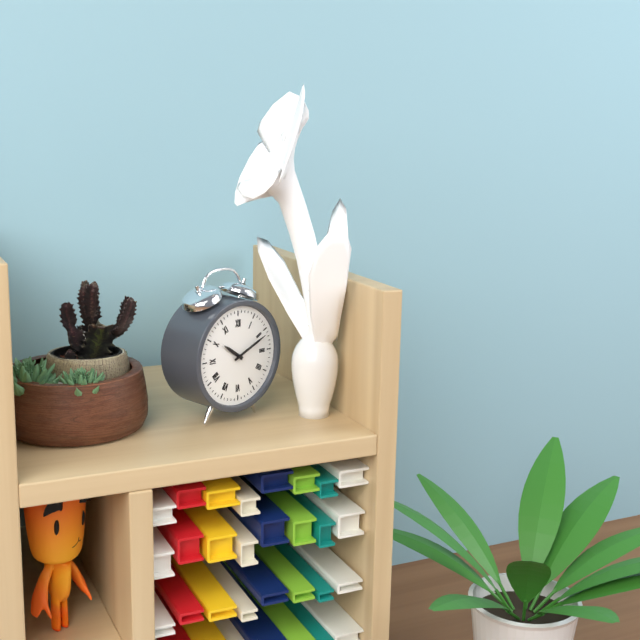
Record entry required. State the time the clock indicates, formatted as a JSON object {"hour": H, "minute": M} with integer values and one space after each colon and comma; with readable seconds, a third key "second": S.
{"hour": 10, "minute": 11}
